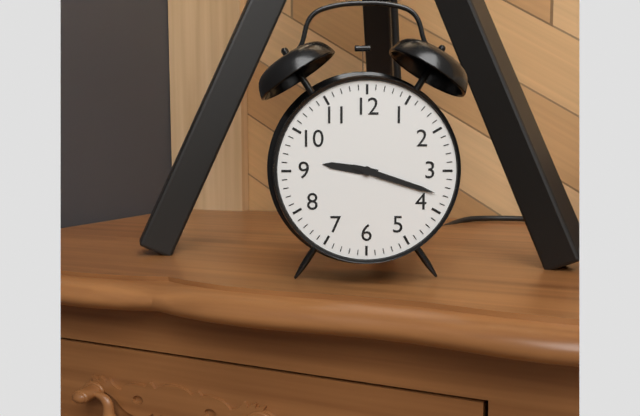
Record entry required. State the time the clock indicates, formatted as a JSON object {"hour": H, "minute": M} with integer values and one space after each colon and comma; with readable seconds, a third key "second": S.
{"hour": 9, "minute": 18}
